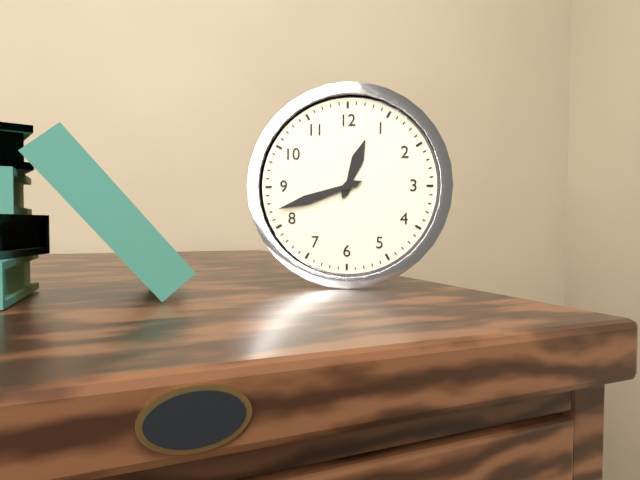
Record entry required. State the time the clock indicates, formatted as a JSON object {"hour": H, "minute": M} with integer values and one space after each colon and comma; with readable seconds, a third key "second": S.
{"hour": 12, "minute": 42}
